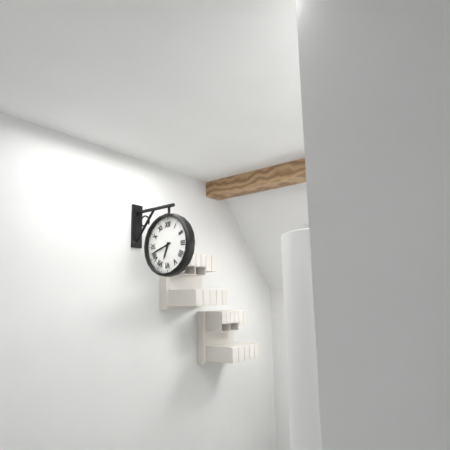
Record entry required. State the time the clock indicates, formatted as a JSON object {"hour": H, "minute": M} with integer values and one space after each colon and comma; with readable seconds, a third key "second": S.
{"hour": 6, "minute": 42}
